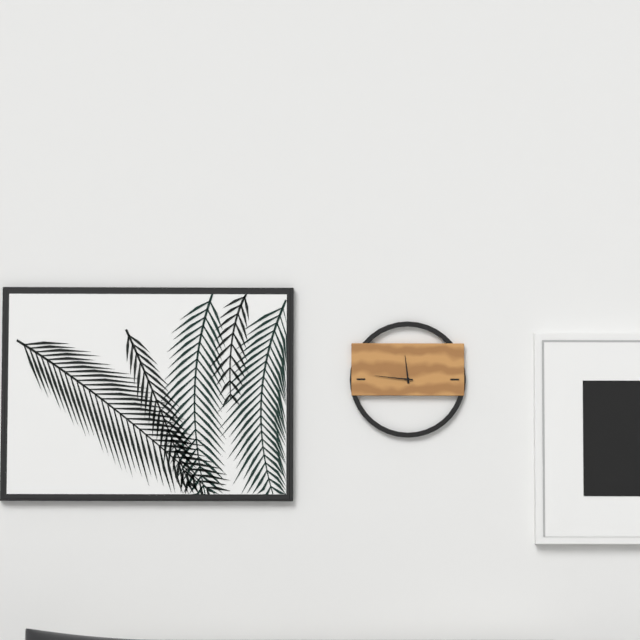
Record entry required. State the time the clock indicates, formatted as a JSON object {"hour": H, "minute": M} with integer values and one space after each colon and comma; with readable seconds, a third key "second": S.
{"hour": 11, "minute": 46}
